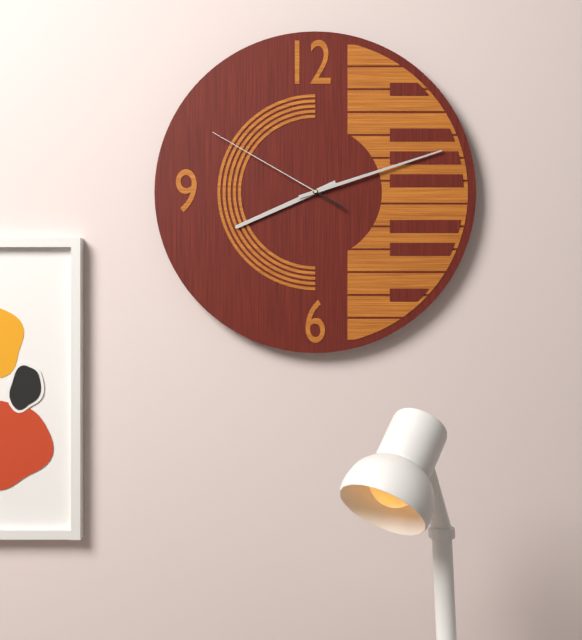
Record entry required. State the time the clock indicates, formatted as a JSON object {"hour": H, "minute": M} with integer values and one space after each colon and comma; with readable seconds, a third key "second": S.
{"hour": 8, "minute": 12, "second": 50}
